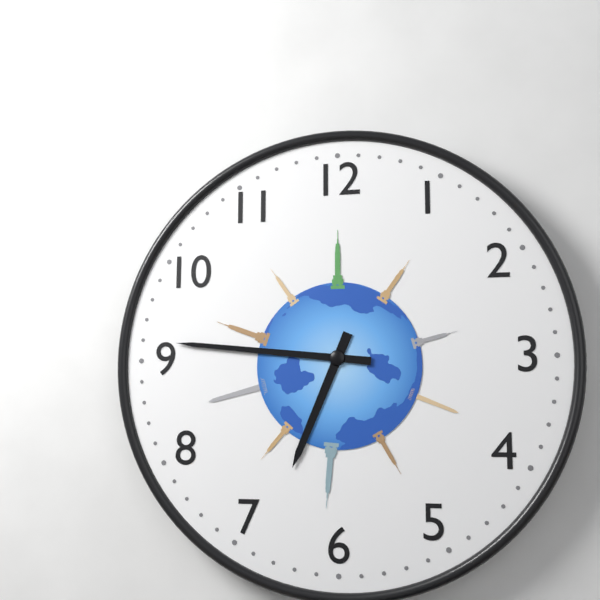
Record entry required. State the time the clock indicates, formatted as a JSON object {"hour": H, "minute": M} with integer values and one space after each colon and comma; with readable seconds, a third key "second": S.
{"hour": 6, "minute": 46}
